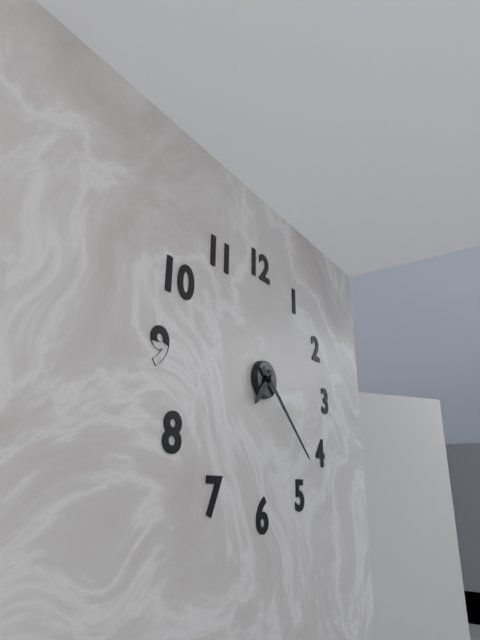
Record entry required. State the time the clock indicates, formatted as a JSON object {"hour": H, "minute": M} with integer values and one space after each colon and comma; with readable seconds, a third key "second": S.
{"hour": 7, "minute": 22}
